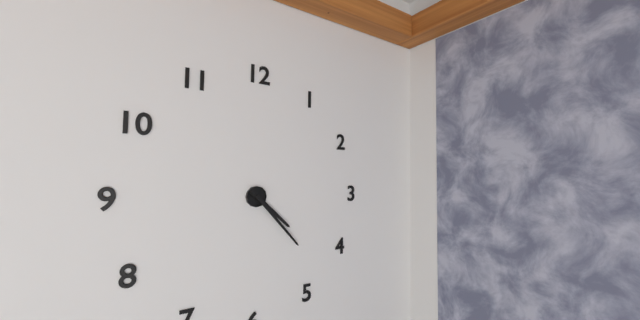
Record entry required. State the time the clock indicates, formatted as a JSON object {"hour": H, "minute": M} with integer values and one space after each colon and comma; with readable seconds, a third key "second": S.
{"hour": 4, "minute": 23}
